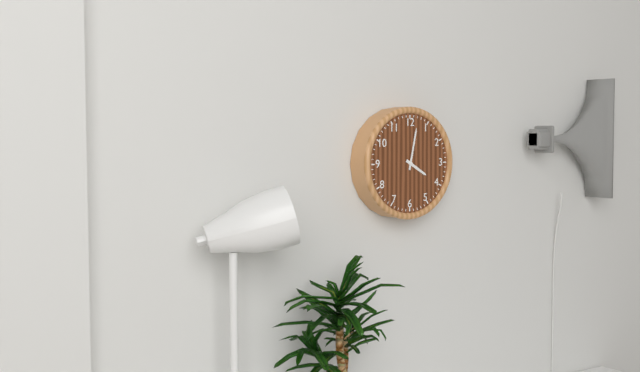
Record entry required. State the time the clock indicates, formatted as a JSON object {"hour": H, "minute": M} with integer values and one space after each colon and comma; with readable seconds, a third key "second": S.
{"hour": 4, "minute": 2}
